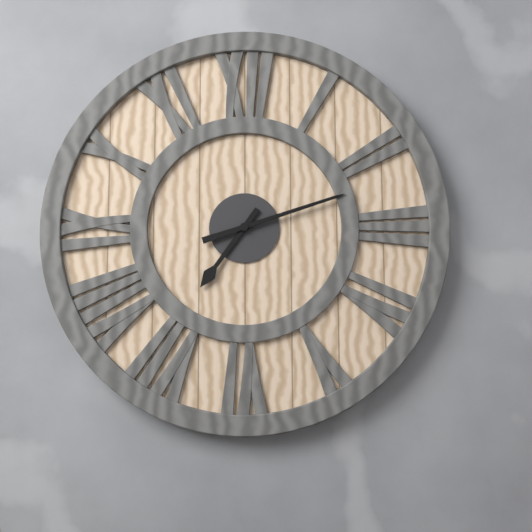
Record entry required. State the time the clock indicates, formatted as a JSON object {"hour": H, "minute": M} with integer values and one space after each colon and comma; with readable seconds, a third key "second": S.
{"hour": 7, "minute": 12}
